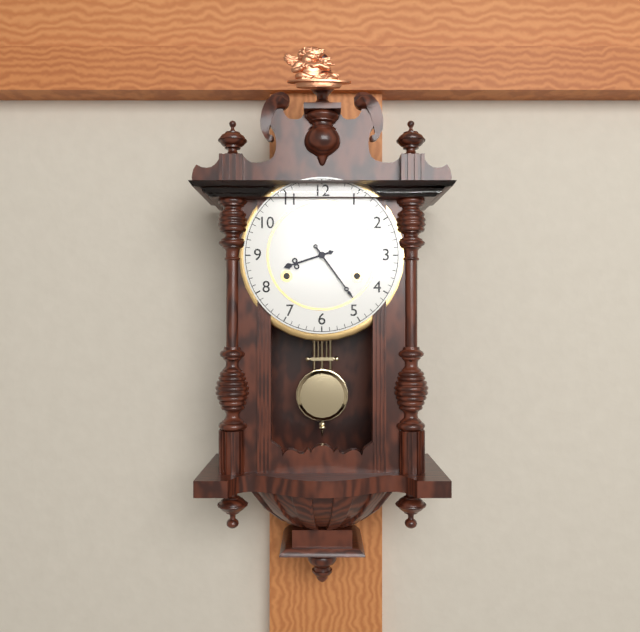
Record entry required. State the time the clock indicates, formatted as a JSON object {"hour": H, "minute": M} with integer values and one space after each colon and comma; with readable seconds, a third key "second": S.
{"hour": 8, "minute": 24}
